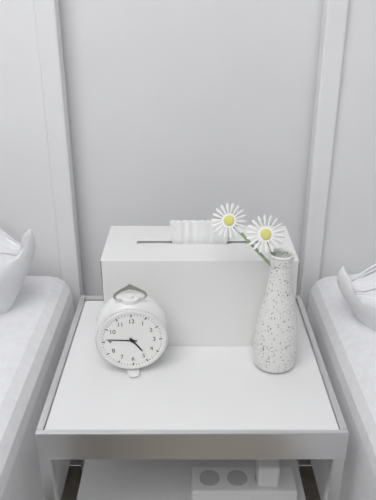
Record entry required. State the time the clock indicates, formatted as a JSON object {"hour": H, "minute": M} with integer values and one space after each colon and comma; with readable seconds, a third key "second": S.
{"hour": 4, "minute": 46}
